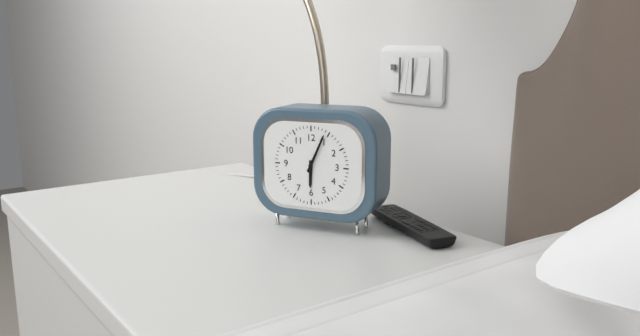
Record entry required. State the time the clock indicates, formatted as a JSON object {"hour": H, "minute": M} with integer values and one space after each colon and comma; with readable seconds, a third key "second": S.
{"hour": 6, "minute": 4}
